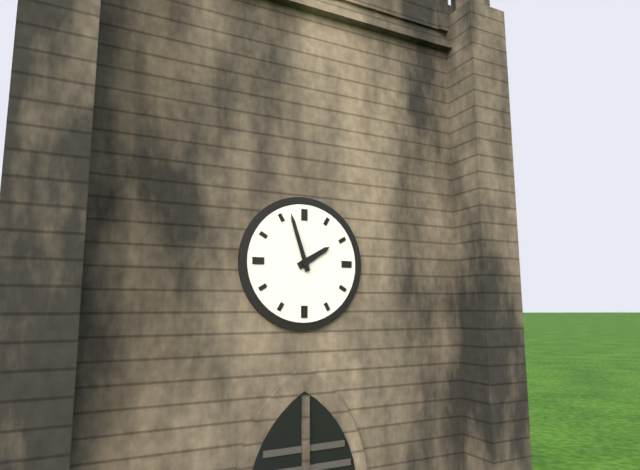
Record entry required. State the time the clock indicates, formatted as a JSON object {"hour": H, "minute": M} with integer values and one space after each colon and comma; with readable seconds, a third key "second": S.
{"hour": 1, "minute": 57}
